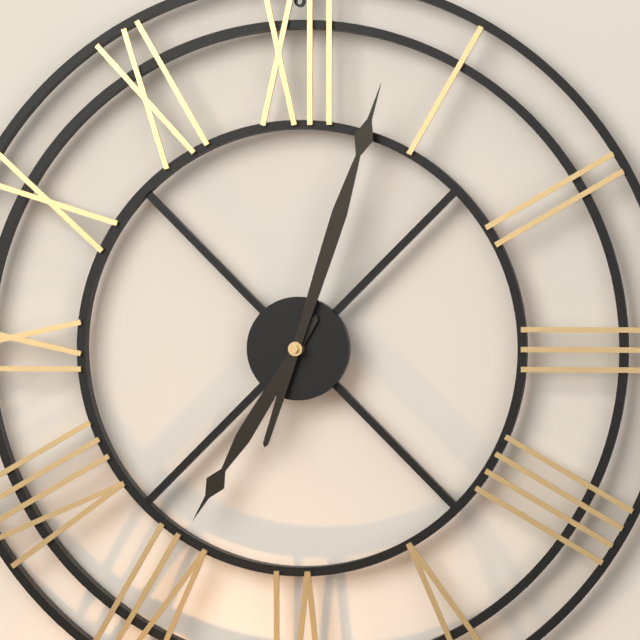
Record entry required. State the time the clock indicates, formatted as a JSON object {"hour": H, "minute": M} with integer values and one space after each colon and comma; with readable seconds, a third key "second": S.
{"hour": 7, "minute": 3}
